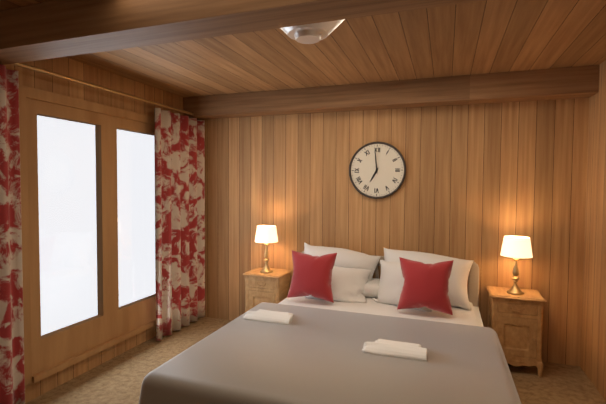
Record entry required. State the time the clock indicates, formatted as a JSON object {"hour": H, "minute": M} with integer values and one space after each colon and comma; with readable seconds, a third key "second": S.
{"hour": 6, "minute": 59}
